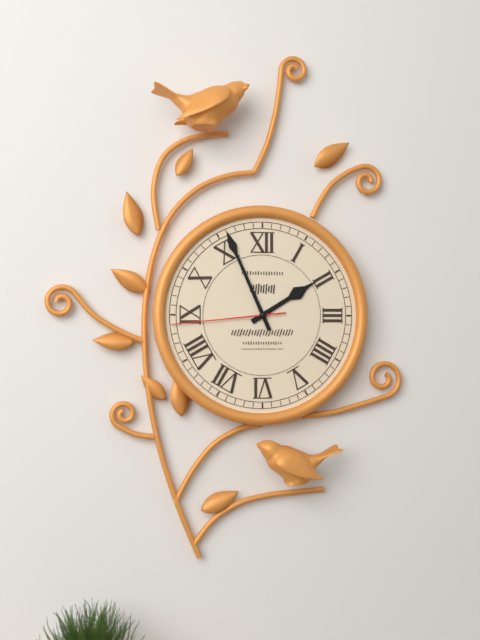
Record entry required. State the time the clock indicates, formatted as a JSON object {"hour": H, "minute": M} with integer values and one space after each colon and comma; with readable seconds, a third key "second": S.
{"hour": 1, "minute": 56, "second": 44}
